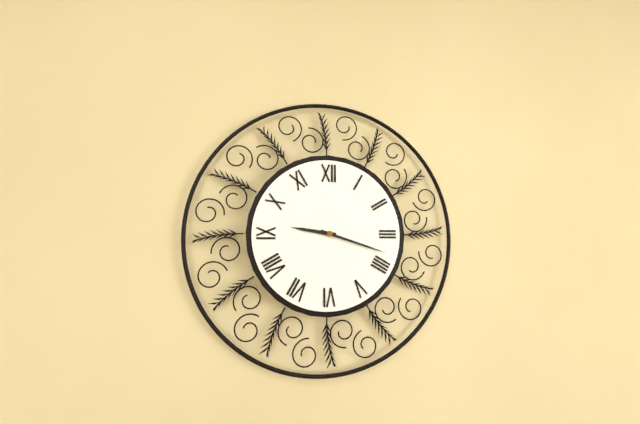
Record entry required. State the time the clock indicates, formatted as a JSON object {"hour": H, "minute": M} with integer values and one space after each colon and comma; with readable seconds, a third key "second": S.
{"hour": 9, "minute": 18}
